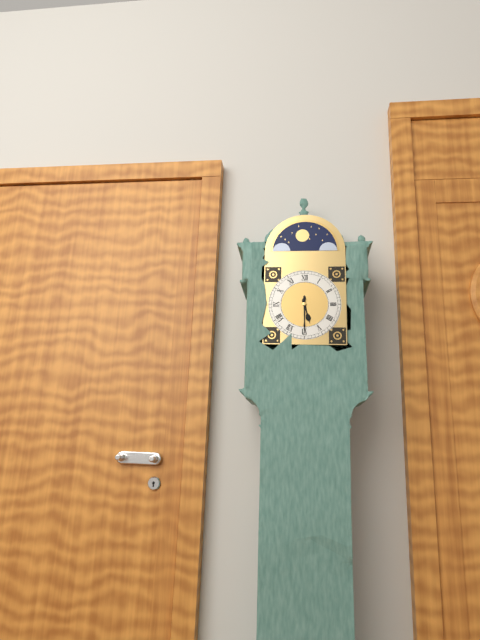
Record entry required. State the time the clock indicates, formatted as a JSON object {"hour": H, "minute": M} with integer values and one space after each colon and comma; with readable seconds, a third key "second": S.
{"hour": 5, "minute": 30}
